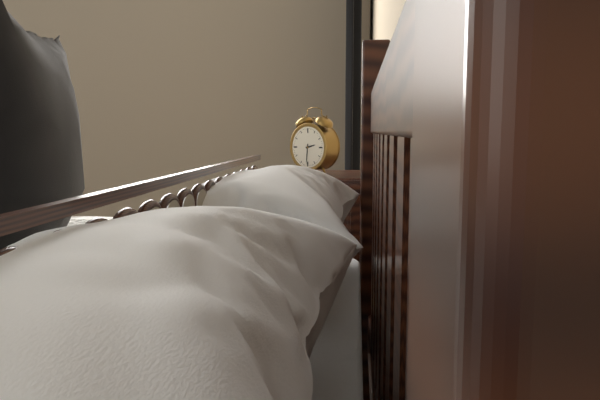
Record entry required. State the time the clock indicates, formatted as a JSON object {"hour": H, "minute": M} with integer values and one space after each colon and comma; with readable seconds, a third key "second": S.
{"hour": 2, "minute": 31}
